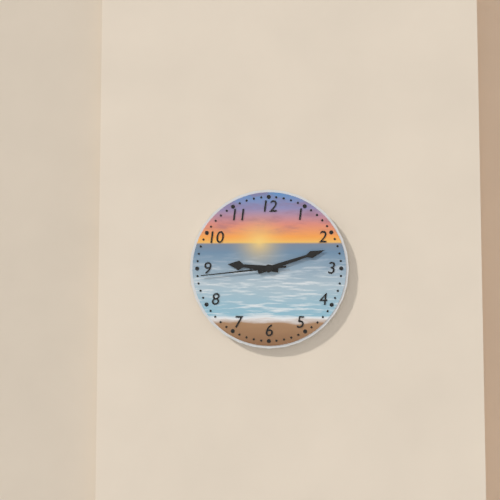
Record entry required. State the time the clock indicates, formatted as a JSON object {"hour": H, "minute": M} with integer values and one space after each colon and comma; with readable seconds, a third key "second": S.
{"hour": 9, "minute": 12, "second": 44}
